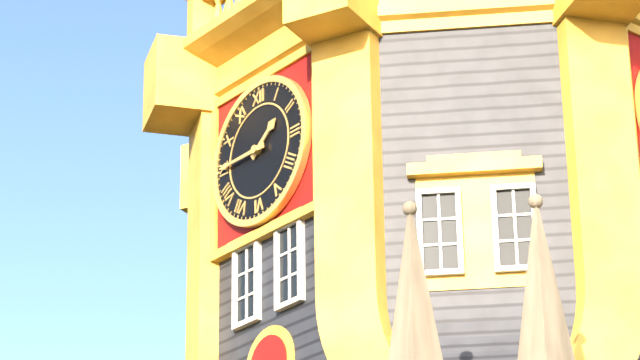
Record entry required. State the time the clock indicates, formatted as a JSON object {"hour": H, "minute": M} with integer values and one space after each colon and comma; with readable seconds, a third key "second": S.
{"hour": 1, "minute": 45}
